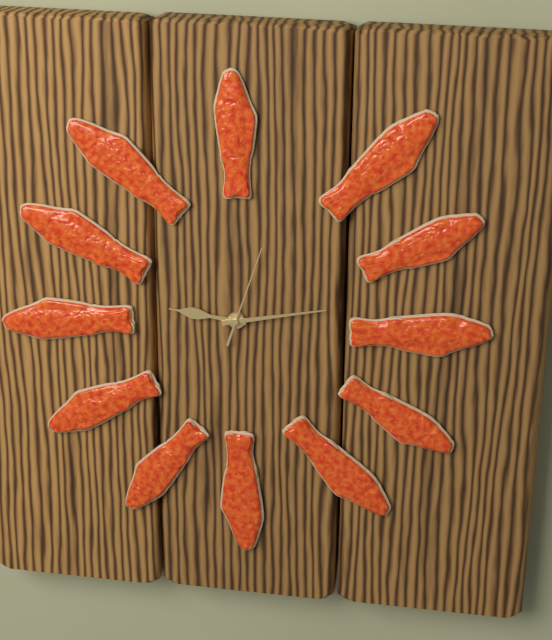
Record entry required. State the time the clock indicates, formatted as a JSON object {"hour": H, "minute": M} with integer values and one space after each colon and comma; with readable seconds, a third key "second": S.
{"hour": 9, "minute": 13, "second": 3}
